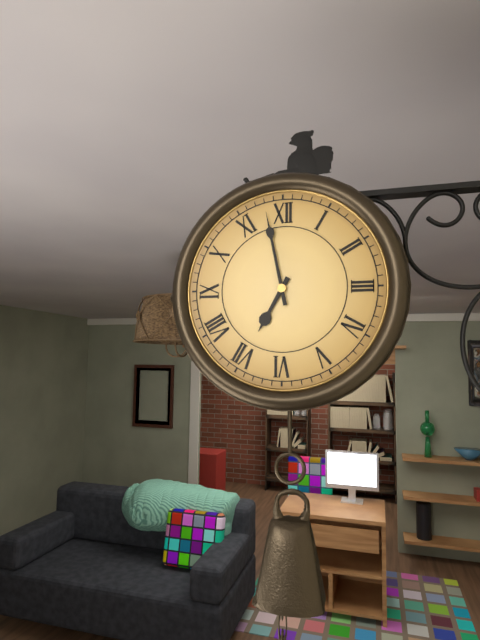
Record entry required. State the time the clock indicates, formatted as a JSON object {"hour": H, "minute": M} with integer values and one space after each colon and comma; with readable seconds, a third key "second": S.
{"hour": 6, "minute": 58}
